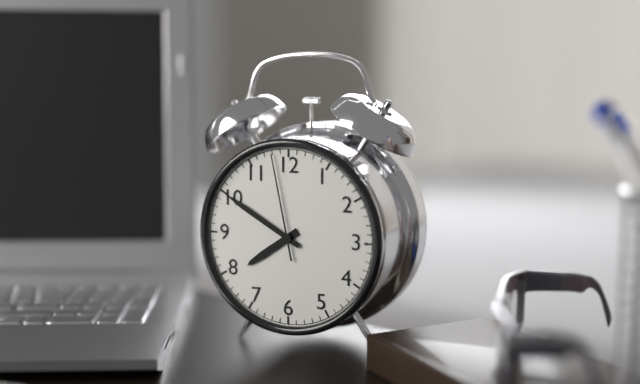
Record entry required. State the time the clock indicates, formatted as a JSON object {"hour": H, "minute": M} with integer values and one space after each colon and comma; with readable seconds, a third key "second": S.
{"hour": 7, "minute": 50, "second": 58}
